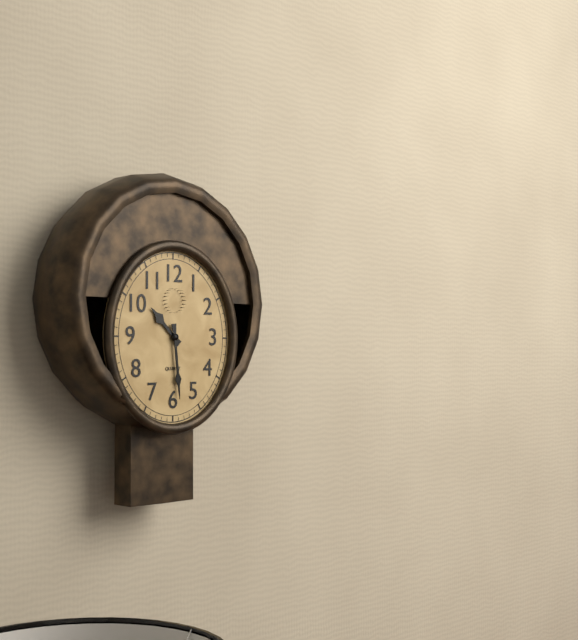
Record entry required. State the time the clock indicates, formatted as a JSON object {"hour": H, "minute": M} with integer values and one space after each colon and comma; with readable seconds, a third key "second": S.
{"hour": 10, "minute": 29}
